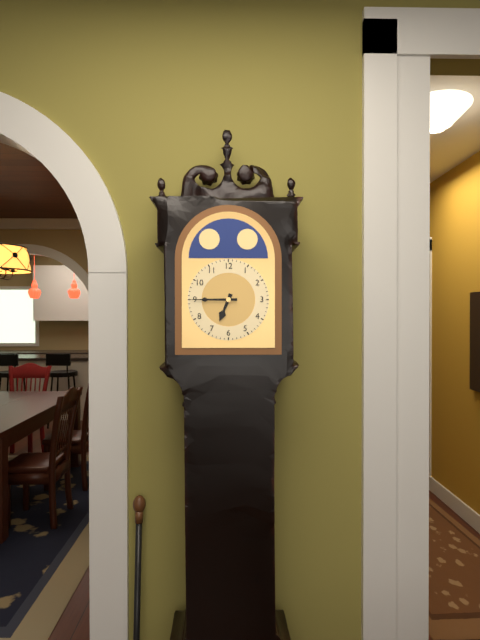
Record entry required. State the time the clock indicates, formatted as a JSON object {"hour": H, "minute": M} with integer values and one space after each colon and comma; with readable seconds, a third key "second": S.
{"hour": 6, "minute": 45}
